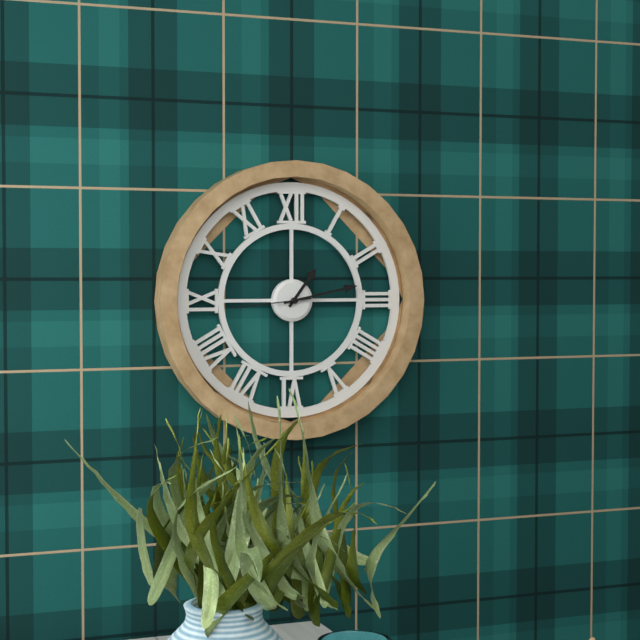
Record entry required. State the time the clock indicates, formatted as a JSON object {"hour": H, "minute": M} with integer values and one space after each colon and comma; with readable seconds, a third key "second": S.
{"hour": 1, "minute": 13, "second": 44}
